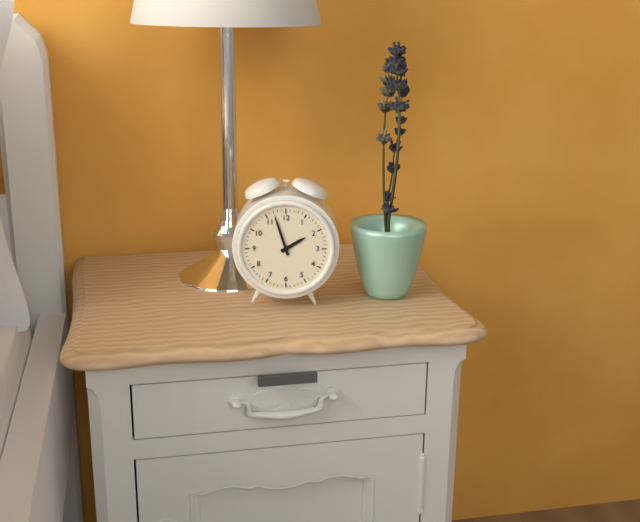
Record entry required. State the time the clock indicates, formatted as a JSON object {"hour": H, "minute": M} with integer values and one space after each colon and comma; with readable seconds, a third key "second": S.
{"hour": 1, "minute": 57}
